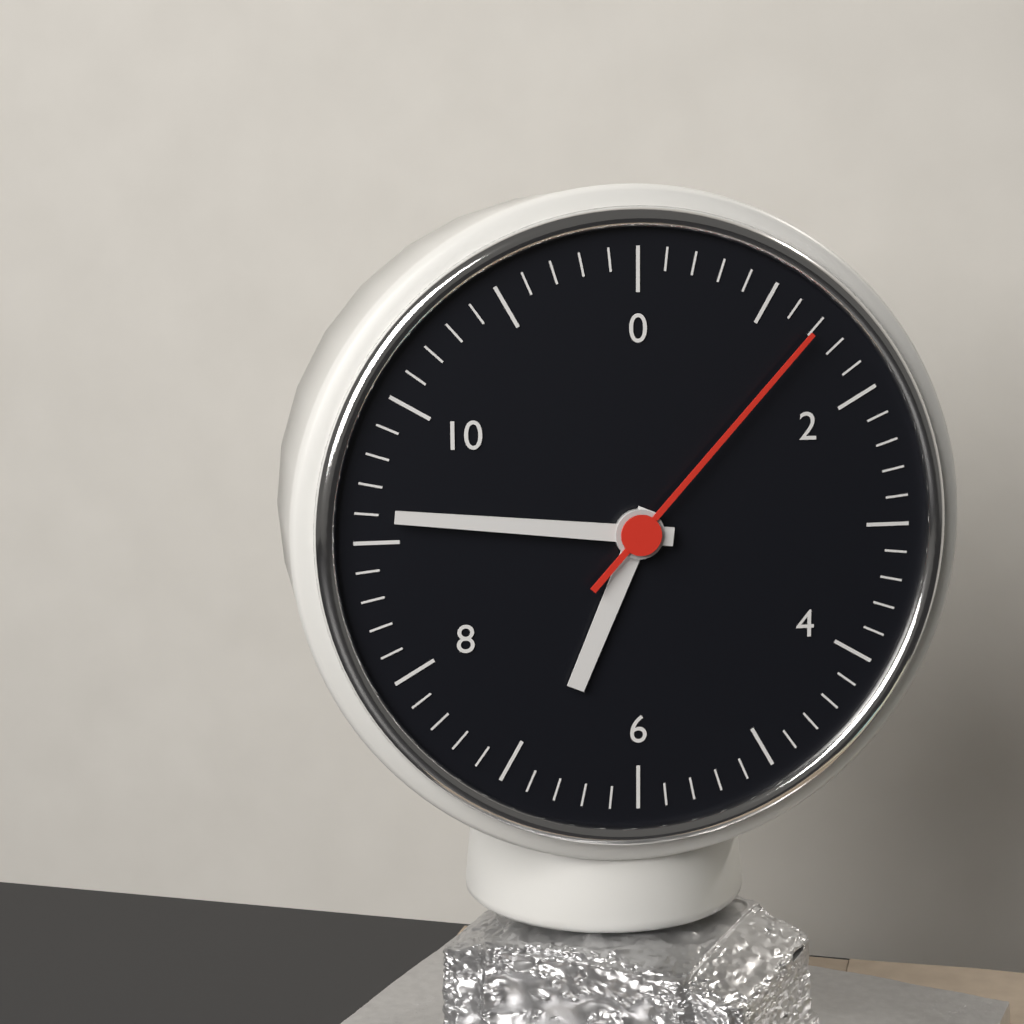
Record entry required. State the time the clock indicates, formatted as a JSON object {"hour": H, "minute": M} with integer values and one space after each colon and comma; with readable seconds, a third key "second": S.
{"hour": 6, "minute": 46, "second": 7}
